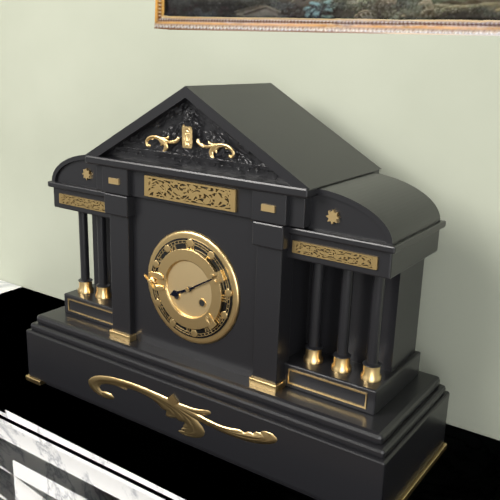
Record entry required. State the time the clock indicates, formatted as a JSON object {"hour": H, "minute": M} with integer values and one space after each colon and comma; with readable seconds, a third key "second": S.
{"hour": 8, "minute": 10}
